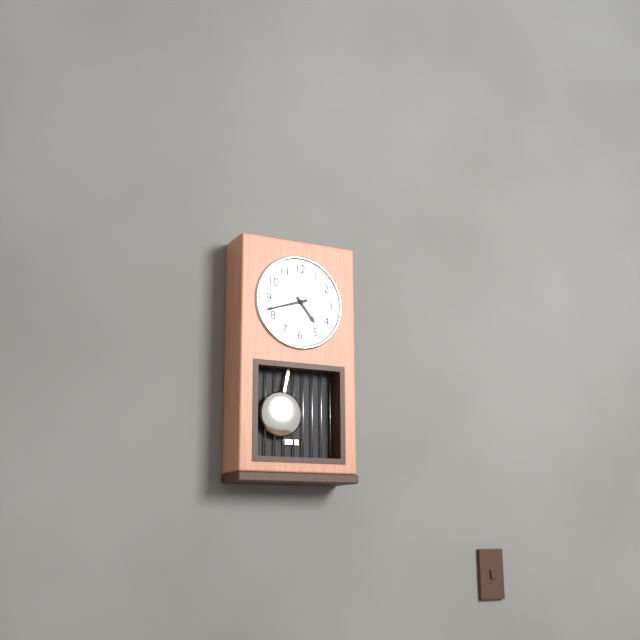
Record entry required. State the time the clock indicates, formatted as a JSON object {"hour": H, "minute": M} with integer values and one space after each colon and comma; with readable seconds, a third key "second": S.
{"hour": 4, "minute": 42}
